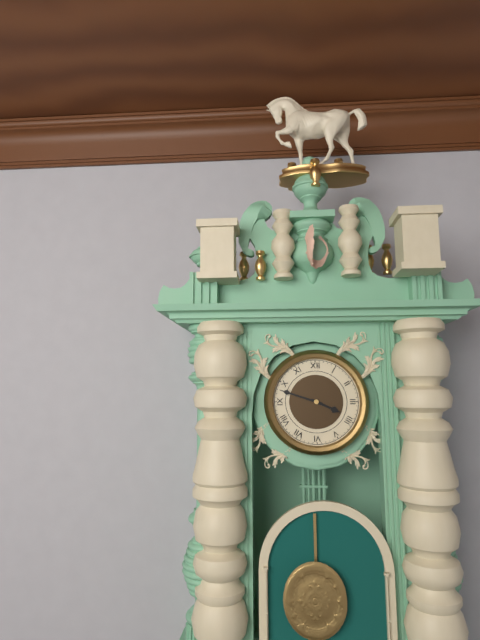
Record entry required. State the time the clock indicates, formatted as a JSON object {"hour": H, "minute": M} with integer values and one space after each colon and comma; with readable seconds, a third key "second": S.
{"hour": 3, "minute": 48}
